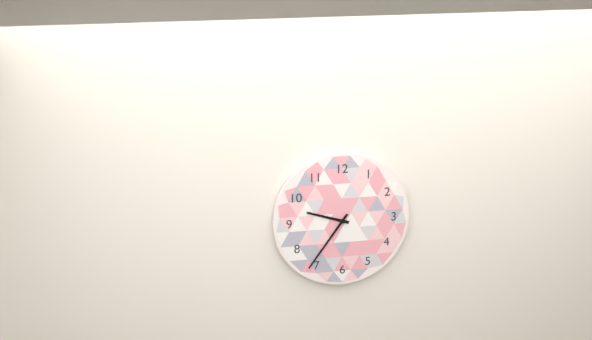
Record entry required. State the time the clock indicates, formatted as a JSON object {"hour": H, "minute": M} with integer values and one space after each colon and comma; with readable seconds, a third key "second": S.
{"hour": 9, "minute": 36}
